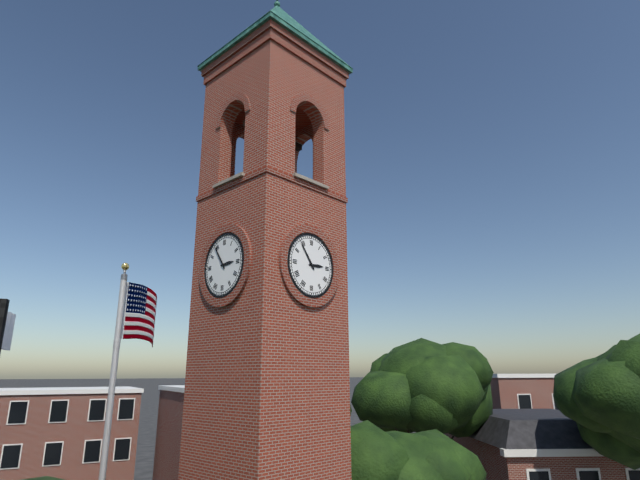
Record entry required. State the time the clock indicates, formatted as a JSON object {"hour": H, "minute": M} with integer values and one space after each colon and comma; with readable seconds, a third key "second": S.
{"hour": 2, "minute": 54}
